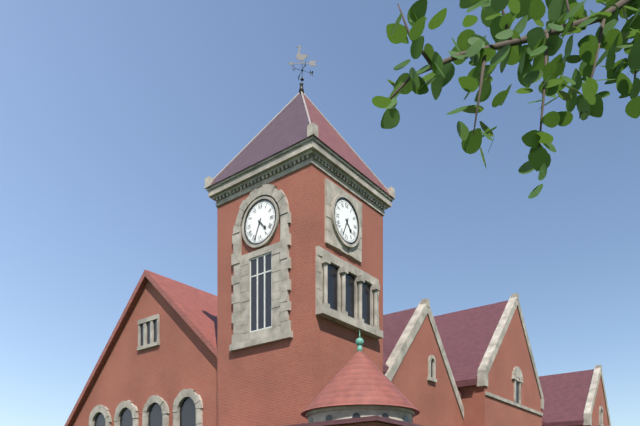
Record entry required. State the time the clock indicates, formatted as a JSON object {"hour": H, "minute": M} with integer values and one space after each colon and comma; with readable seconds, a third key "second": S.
{"hour": 4, "minute": 34}
